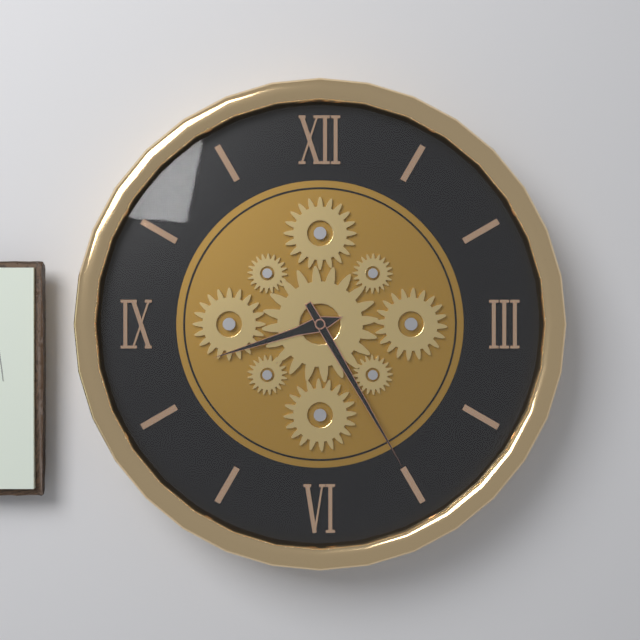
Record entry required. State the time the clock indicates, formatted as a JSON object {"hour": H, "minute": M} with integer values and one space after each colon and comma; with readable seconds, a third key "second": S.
{"hour": 8, "minute": 25}
